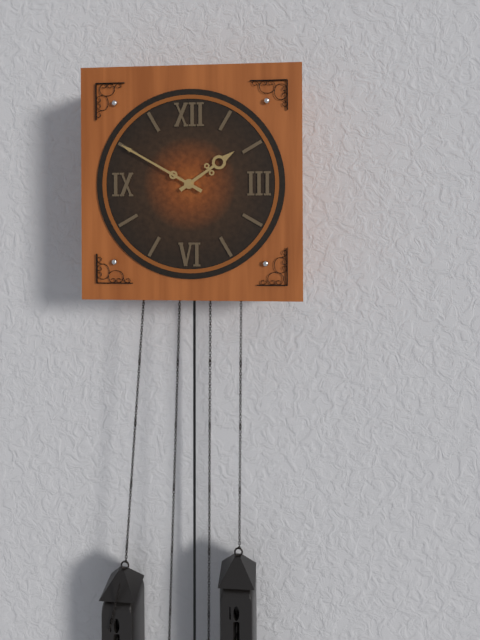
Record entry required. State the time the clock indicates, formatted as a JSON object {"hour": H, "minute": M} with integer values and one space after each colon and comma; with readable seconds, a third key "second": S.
{"hour": 1, "minute": 50}
